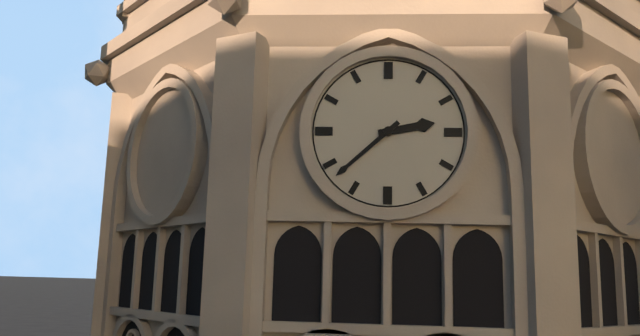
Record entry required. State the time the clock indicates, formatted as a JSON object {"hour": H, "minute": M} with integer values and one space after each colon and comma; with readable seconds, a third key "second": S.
{"hour": 2, "minute": 38}
